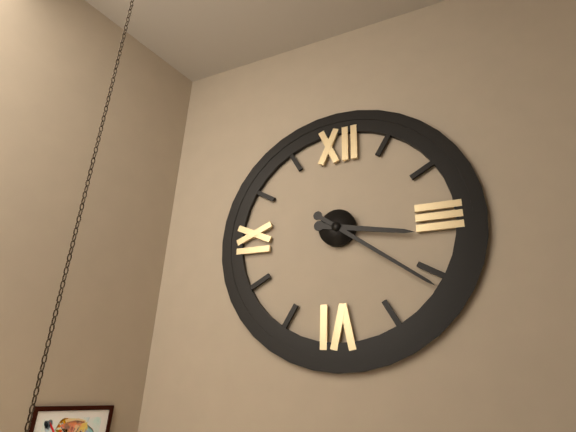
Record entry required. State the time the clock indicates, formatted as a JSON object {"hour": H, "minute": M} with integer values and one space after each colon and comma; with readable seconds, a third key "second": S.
{"hour": 3, "minute": 21}
